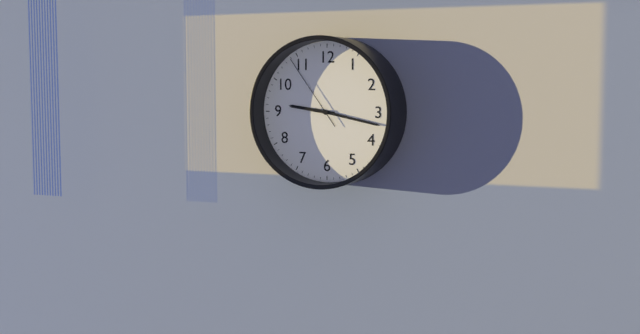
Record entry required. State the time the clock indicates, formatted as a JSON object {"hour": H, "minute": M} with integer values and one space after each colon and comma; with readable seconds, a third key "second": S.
{"hour": 9, "minute": 17, "second": 54}
